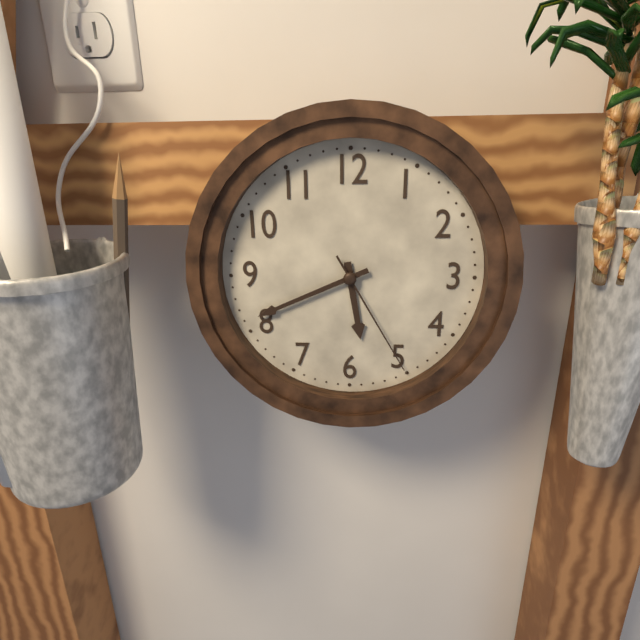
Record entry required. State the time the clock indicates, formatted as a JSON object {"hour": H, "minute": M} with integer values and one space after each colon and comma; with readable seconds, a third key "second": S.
{"hour": 5, "minute": 41, "second": 25}
